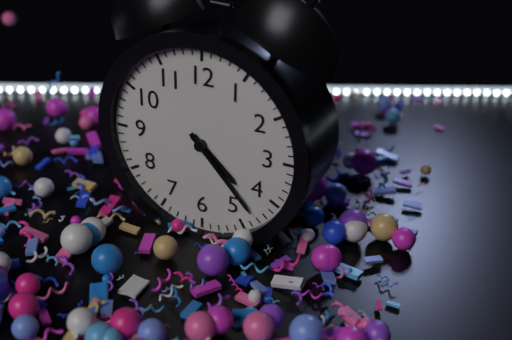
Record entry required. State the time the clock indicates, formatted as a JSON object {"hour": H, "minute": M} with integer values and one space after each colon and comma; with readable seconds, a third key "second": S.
{"hour": 4, "minute": 23}
